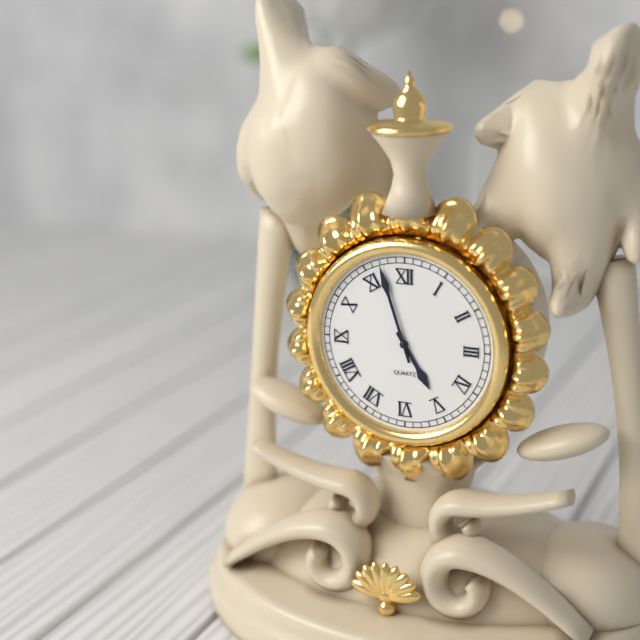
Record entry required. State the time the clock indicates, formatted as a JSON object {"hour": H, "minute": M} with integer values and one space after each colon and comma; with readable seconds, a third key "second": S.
{"hour": 4, "minute": 57}
